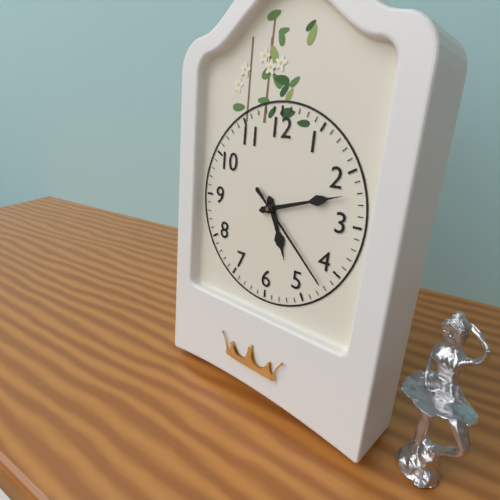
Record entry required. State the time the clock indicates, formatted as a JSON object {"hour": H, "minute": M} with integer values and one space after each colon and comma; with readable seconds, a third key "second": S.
{"hour": 5, "minute": 12, "second": 22}
